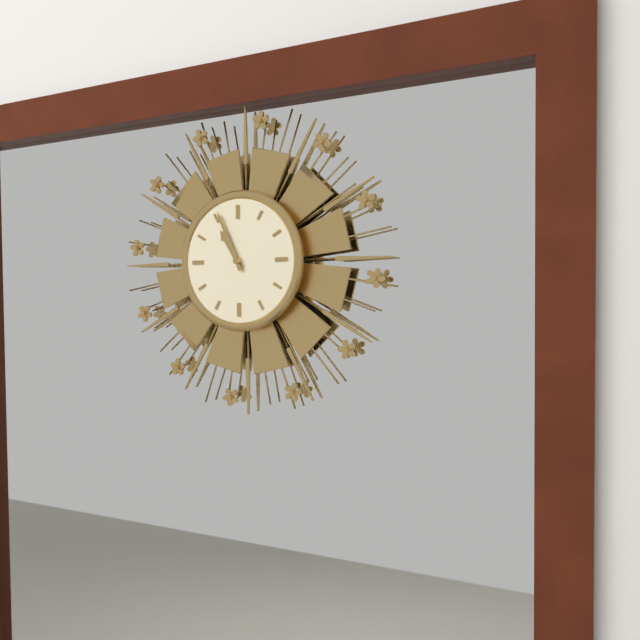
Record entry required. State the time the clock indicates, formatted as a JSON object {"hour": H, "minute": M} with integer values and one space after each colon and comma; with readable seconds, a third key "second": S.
{"hour": 10, "minute": 56}
